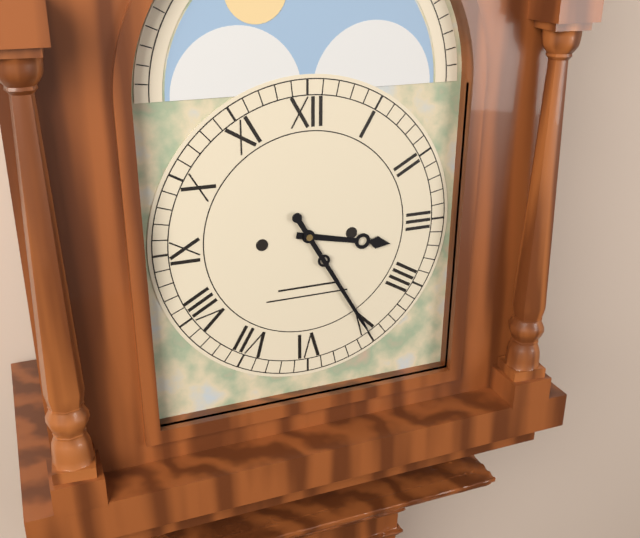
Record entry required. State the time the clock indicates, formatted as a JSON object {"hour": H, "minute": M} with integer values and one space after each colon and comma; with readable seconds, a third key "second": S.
{"hour": 3, "minute": 25}
